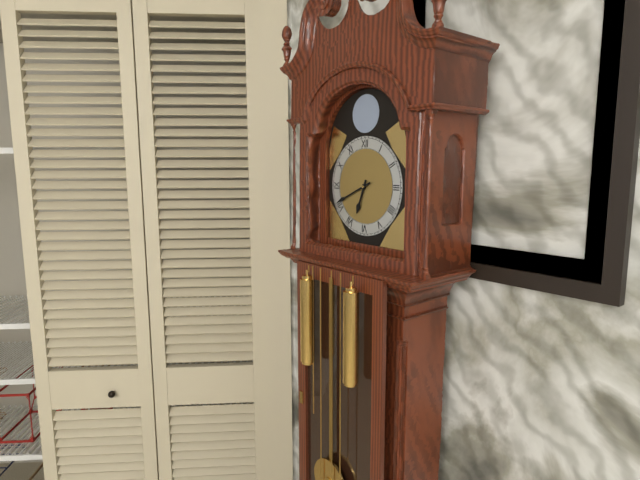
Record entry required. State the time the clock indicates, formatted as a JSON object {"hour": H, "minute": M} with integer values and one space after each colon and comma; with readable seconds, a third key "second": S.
{"hour": 6, "minute": 41}
